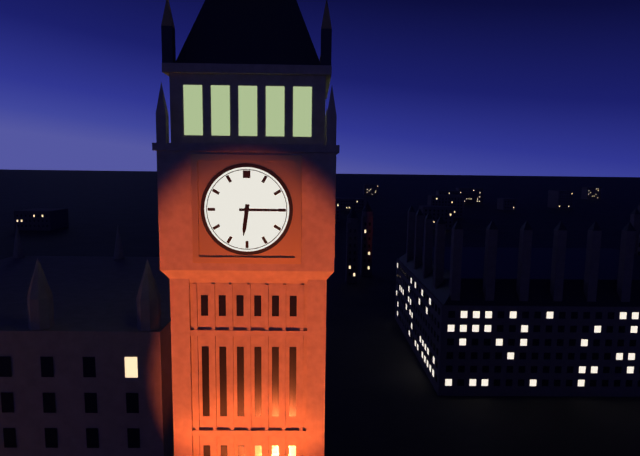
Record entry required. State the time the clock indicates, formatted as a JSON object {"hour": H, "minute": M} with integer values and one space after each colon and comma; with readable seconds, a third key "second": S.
{"hour": 6, "minute": 15}
